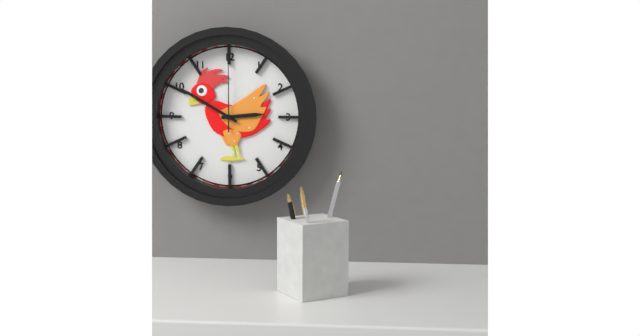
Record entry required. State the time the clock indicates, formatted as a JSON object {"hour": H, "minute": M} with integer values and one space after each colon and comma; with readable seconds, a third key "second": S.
{"hour": 2, "minute": 50, "second": 0}
